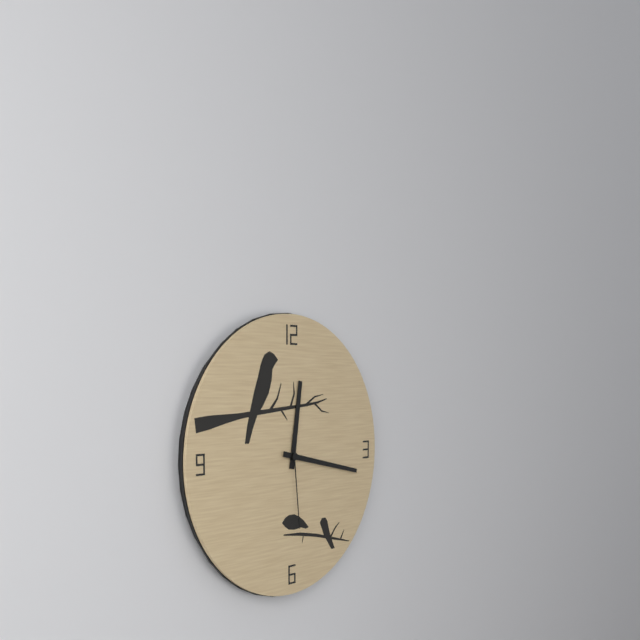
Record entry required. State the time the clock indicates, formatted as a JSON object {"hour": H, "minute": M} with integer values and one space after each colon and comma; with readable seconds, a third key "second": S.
{"hour": 12, "minute": 17, "second": 29}
